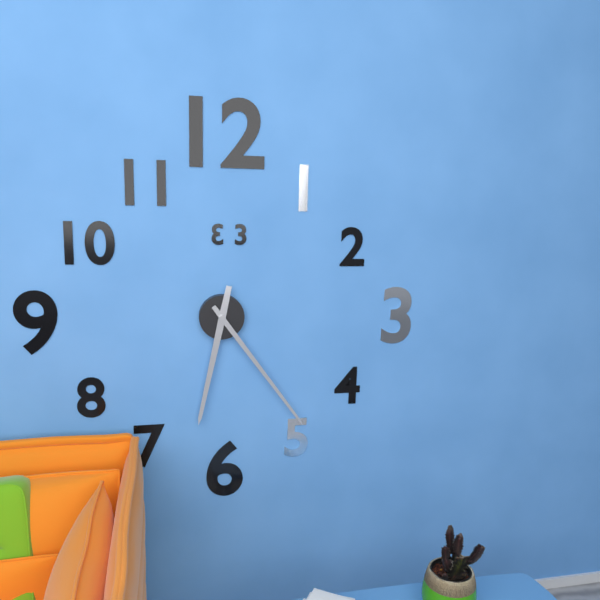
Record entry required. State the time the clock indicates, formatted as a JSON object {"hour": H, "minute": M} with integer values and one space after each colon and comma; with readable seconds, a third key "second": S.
{"hour": 6, "minute": 24}
